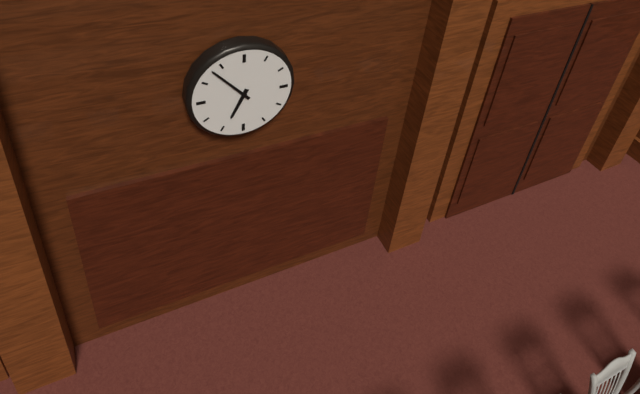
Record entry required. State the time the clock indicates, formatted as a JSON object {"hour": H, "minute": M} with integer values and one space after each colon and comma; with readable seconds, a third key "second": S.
{"hour": 6, "minute": 53}
